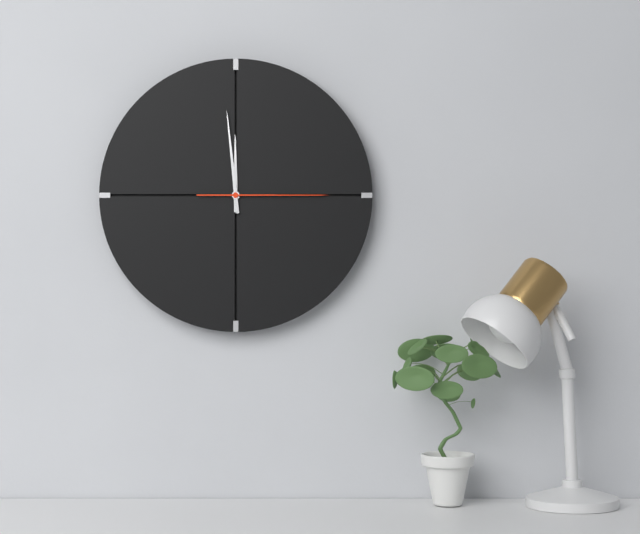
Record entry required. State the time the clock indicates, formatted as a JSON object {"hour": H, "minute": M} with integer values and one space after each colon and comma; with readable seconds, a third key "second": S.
{"hour": 11, "minute": 59, "second": 15}
